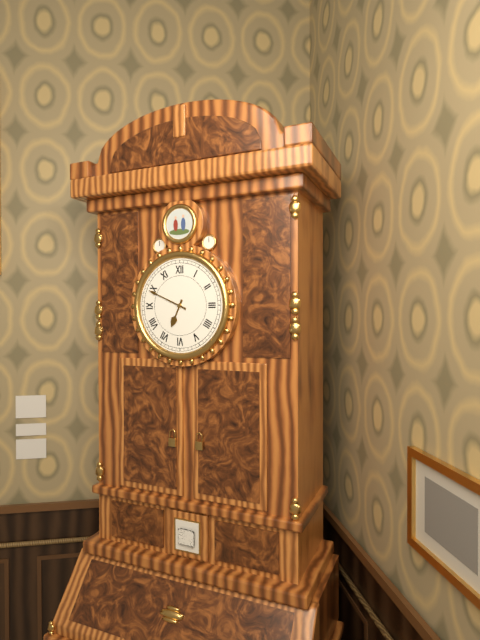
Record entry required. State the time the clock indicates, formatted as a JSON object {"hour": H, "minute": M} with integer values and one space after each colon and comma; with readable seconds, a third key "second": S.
{"hour": 6, "minute": 49}
